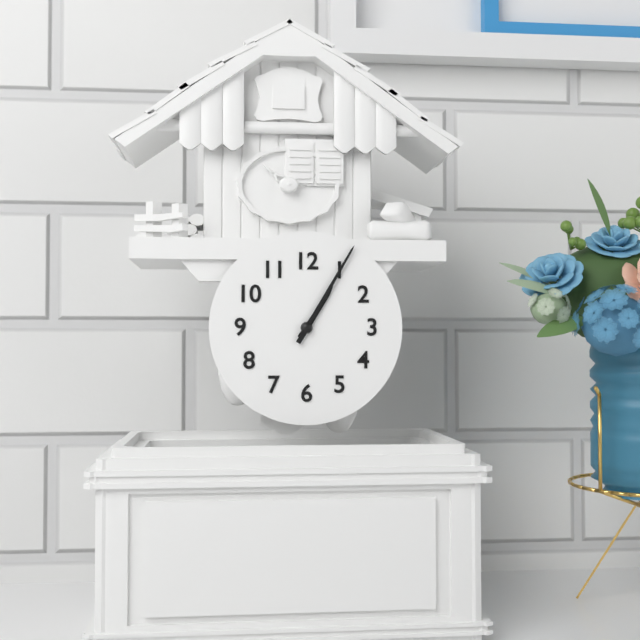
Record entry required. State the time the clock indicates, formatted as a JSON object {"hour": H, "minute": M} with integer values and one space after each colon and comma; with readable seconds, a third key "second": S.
{"hour": 1, "minute": 5}
